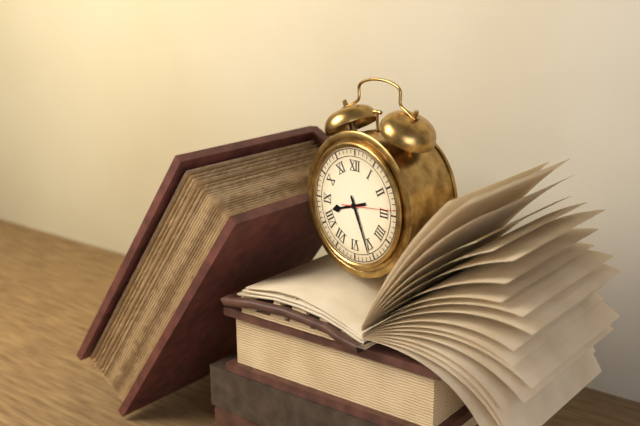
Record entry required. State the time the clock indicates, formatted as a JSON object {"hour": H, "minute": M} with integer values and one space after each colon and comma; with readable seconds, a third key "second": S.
{"hour": 8, "minute": 26, "second": 14}
